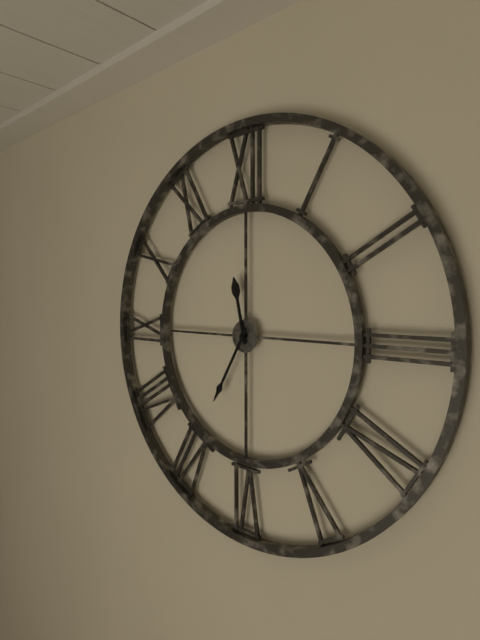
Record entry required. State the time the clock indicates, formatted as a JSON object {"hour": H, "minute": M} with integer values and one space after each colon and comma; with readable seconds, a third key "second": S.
{"hour": 11, "minute": 35}
